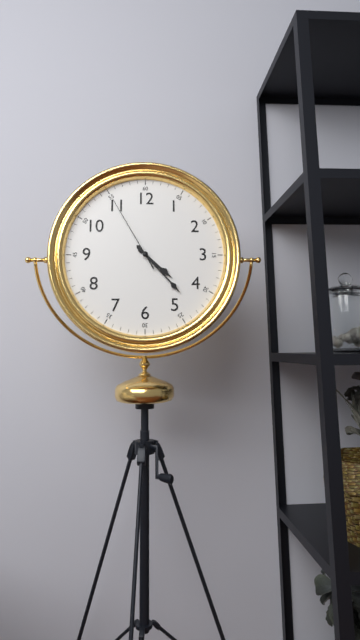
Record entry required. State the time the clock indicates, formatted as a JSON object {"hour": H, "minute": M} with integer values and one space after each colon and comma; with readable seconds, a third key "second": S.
{"hour": 4, "minute": 23, "second": 55}
